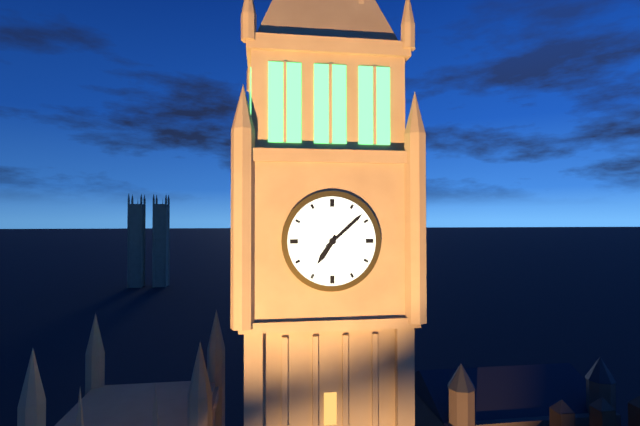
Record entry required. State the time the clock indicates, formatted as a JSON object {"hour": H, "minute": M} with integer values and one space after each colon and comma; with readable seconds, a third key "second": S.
{"hour": 7, "minute": 8}
